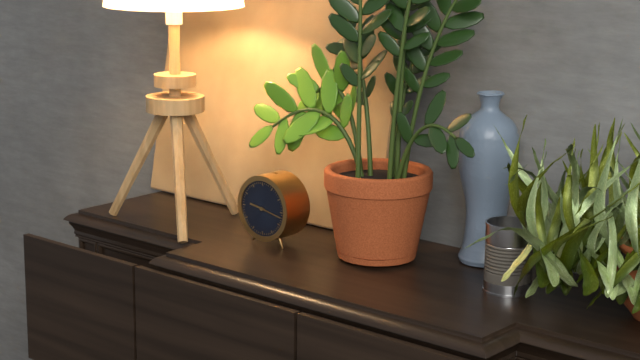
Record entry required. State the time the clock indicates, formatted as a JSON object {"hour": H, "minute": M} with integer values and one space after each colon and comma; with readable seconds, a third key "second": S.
{"hour": 9, "minute": 17}
